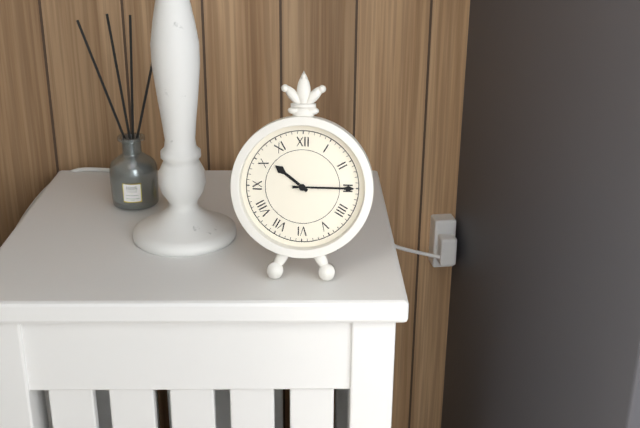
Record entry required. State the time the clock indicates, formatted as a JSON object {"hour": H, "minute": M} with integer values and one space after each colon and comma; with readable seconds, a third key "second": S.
{"hour": 10, "minute": 15}
